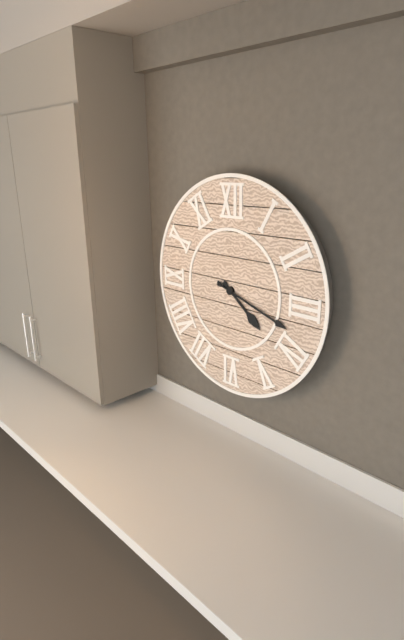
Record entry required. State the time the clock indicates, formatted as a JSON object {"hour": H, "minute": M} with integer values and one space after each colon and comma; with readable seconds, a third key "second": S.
{"hour": 4, "minute": 18}
